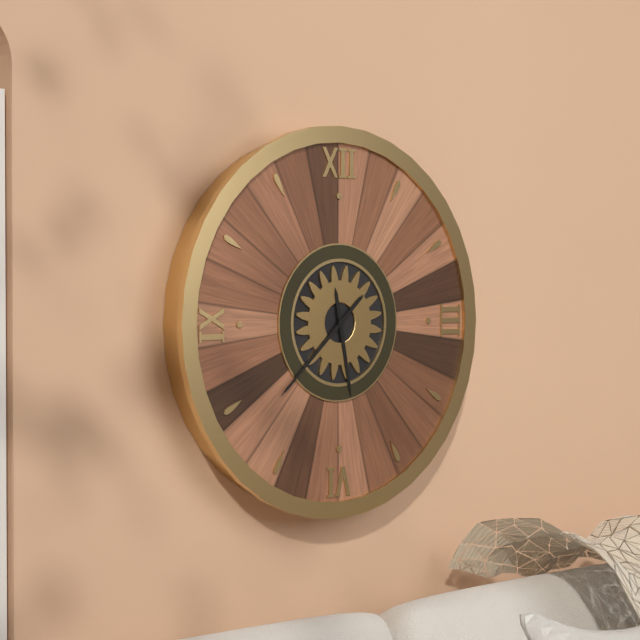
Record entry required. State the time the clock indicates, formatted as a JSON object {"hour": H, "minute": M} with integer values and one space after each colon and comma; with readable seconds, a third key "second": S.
{"hour": 5, "minute": 38}
